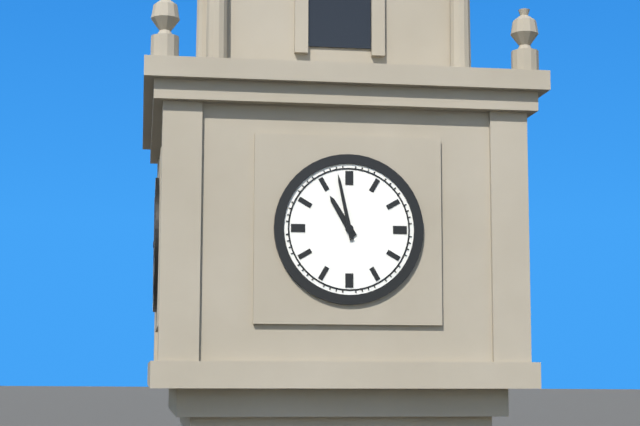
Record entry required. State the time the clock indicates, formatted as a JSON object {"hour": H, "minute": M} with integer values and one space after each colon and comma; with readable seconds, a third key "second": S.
{"hour": 10, "minute": 58}
